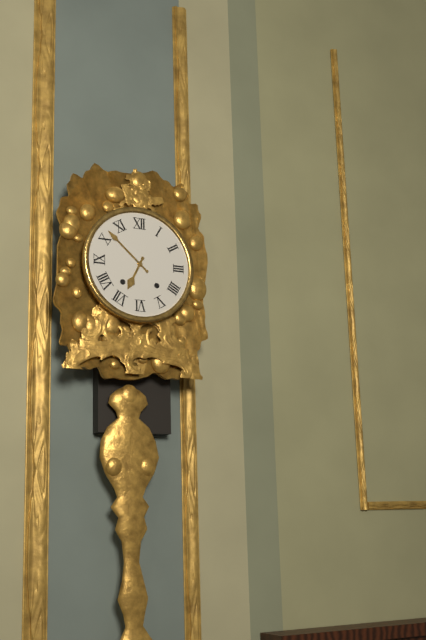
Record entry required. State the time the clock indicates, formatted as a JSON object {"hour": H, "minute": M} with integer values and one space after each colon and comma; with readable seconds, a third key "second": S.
{"hour": 6, "minute": 52}
